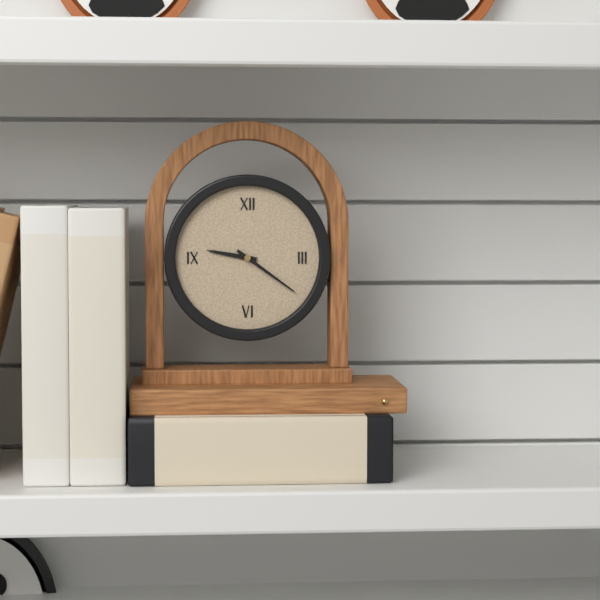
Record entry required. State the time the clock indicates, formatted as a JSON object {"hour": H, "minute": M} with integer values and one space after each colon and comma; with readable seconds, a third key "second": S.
{"hour": 9, "minute": 21}
